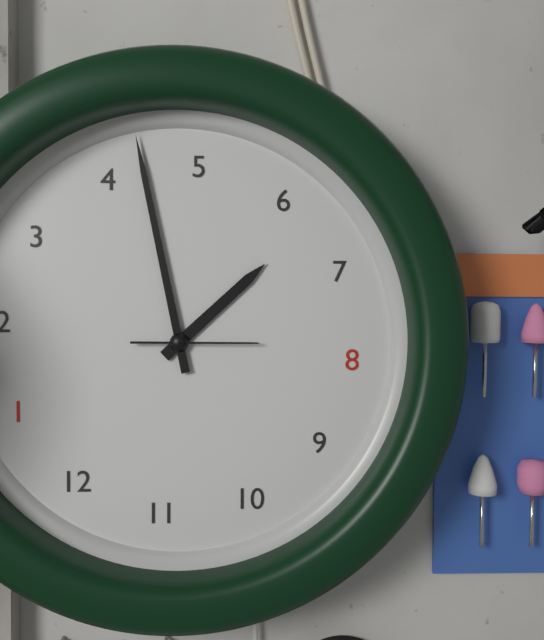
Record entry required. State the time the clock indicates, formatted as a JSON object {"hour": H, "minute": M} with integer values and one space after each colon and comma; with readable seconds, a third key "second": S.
{"hour": 6, "minute": 22, "second": 39}
